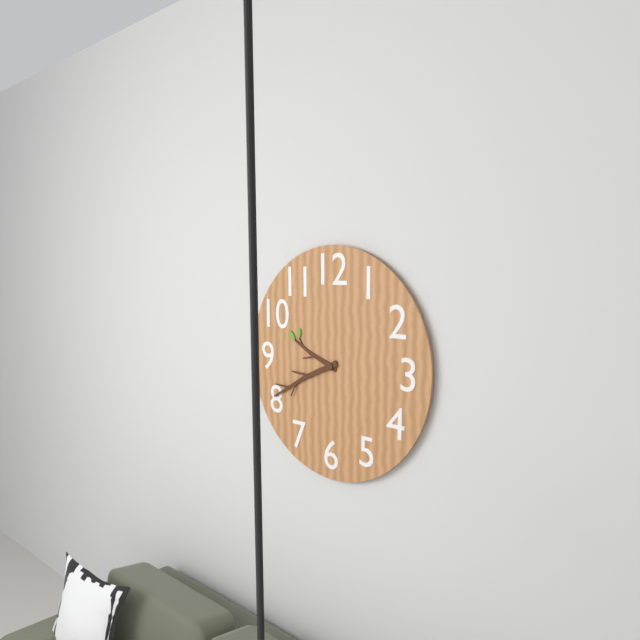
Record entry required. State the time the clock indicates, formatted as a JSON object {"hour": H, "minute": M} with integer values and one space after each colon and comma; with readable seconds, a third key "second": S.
{"hour": 9, "minute": 41}
